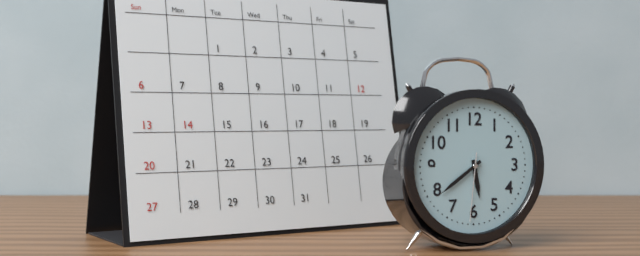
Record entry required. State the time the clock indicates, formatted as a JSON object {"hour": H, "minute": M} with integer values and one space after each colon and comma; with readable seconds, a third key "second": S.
{"hour": 5, "minute": 39, "second": 31}
